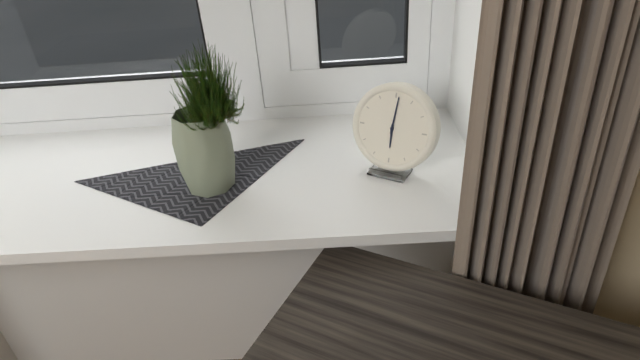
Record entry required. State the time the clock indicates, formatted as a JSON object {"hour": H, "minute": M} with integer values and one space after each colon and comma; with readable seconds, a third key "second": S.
{"hour": 6, "minute": 1}
